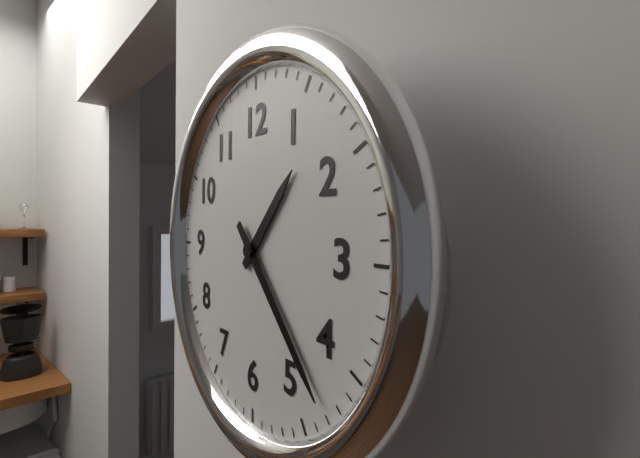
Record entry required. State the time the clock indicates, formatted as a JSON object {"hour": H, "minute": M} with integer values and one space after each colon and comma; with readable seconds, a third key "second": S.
{"hour": 1, "minute": 23}
